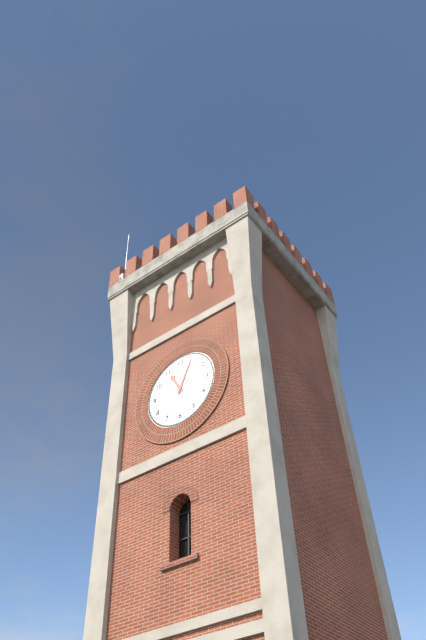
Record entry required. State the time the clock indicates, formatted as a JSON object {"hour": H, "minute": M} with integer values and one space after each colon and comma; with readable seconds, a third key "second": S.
{"hour": 11, "minute": 4}
